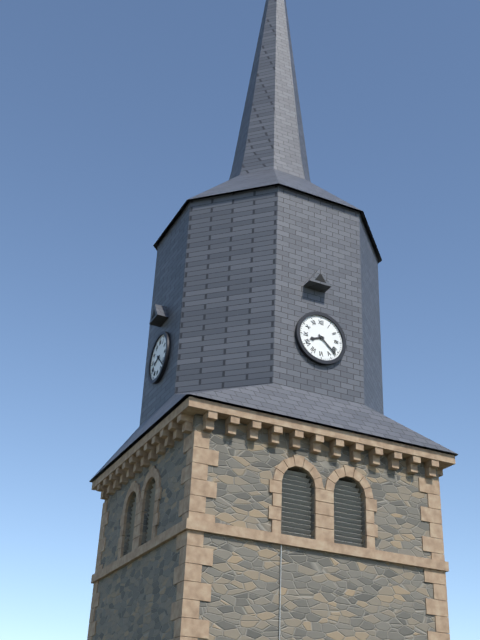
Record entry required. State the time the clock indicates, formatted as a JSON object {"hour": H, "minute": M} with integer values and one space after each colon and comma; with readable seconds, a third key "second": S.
{"hour": 8, "minute": 22}
